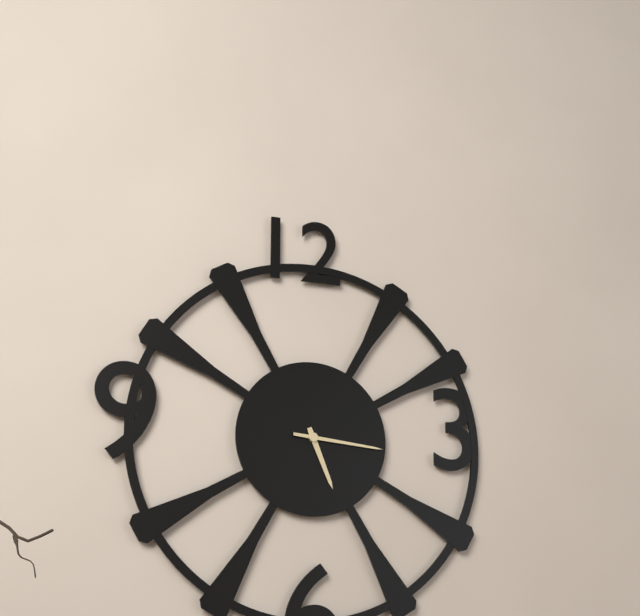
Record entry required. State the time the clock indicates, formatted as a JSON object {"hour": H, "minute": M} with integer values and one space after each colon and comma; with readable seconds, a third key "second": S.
{"hour": 5, "minute": 16}
